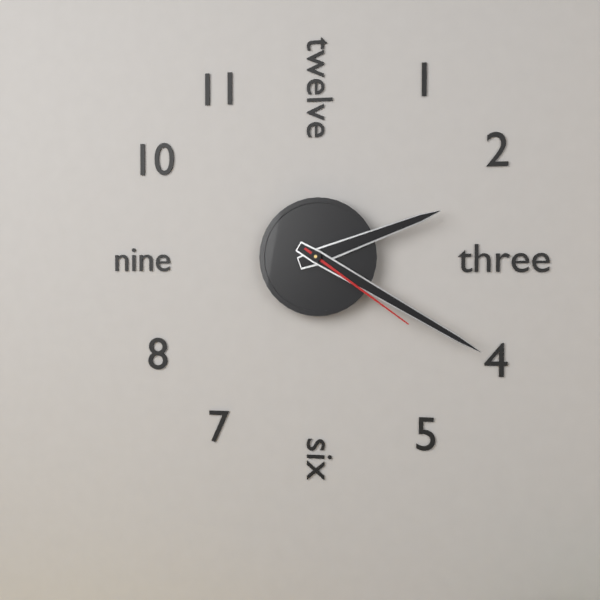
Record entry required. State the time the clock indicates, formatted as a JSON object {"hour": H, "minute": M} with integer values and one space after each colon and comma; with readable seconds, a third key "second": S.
{"hour": 2, "minute": 20, "second": 21}
